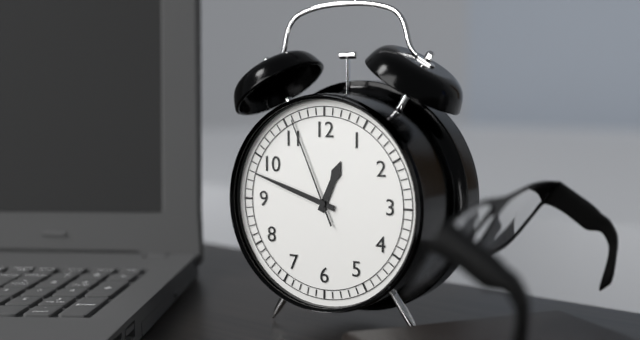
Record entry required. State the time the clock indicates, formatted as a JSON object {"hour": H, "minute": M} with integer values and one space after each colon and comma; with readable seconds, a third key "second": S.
{"hour": 12, "minute": 48, "second": 56}
